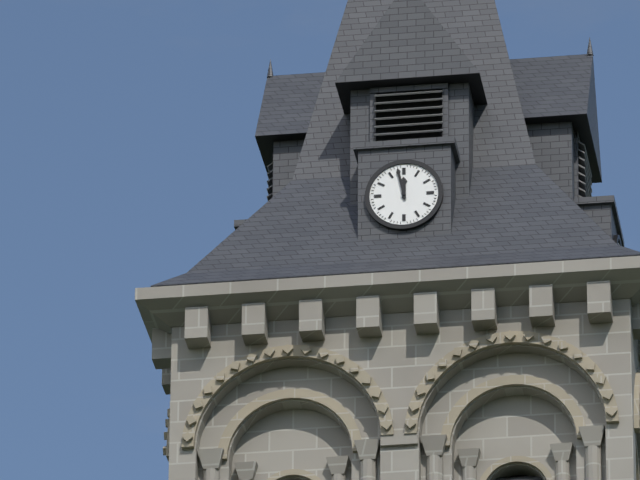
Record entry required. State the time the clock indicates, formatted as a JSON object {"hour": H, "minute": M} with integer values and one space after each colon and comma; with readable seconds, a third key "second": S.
{"hour": 11, "minute": 58}
